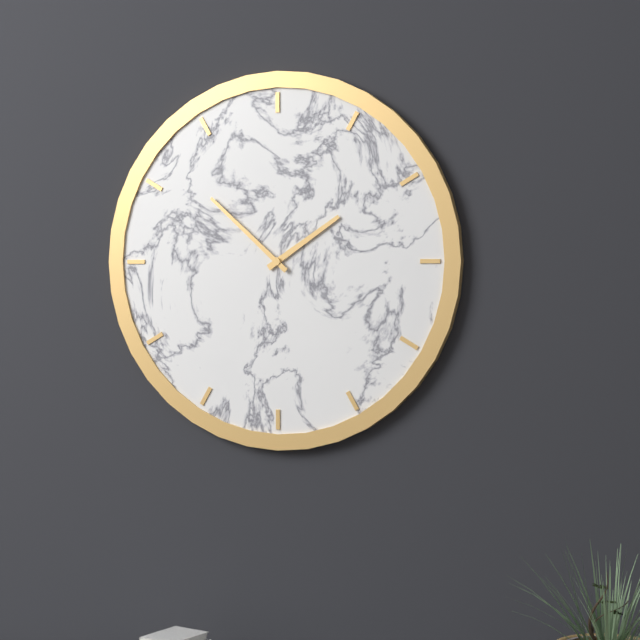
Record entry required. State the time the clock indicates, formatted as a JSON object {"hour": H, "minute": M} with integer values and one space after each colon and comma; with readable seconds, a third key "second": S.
{"hour": 1, "minute": 52}
